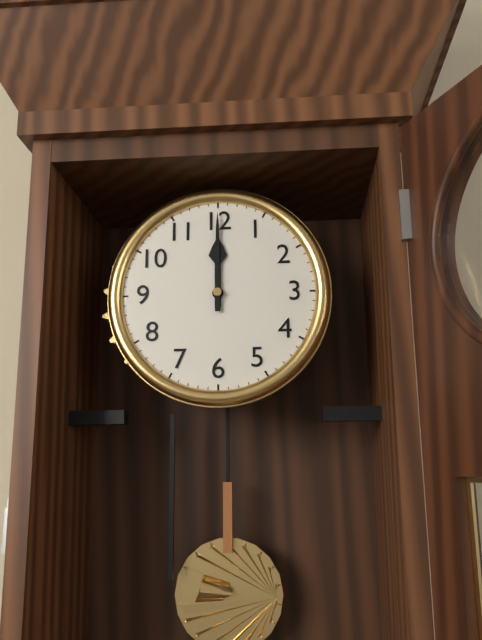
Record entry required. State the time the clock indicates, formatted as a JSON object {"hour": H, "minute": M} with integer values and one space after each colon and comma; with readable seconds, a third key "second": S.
{"hour": 12, "minute": 0}
